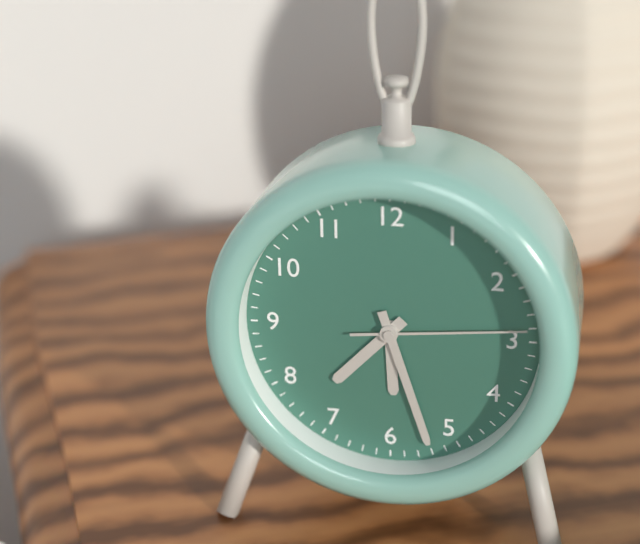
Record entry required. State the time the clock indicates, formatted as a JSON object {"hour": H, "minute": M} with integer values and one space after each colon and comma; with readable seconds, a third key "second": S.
{"hour": 7, "minute": 27, "second": 14}
